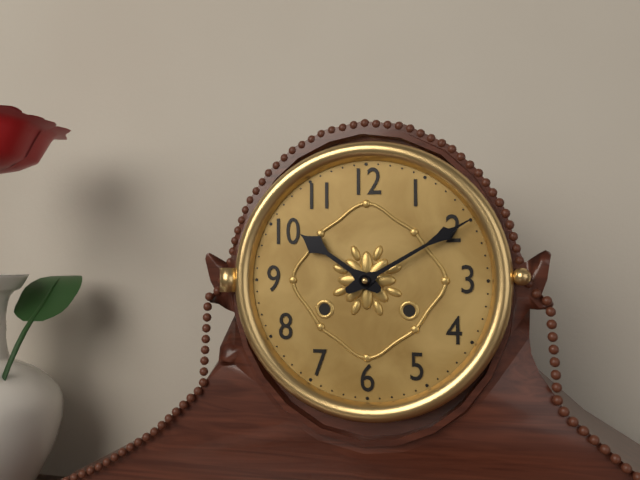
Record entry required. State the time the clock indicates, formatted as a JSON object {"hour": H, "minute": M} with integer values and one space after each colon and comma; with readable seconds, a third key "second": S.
{"hour": 10, "minute": 10}
